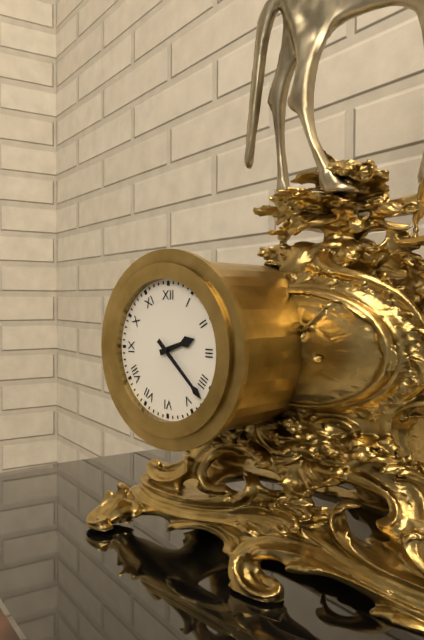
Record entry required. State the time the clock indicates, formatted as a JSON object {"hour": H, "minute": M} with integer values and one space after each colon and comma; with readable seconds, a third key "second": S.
{"hour": 2, "minute": 22}
